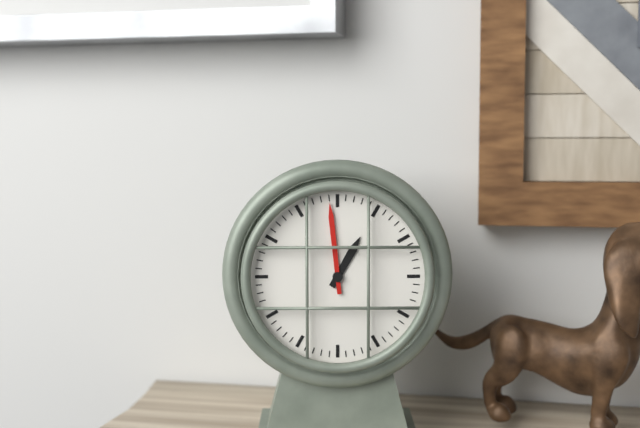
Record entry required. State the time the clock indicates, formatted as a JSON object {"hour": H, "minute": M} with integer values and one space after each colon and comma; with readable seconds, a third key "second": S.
{"hour": 12, "minute": 59}
